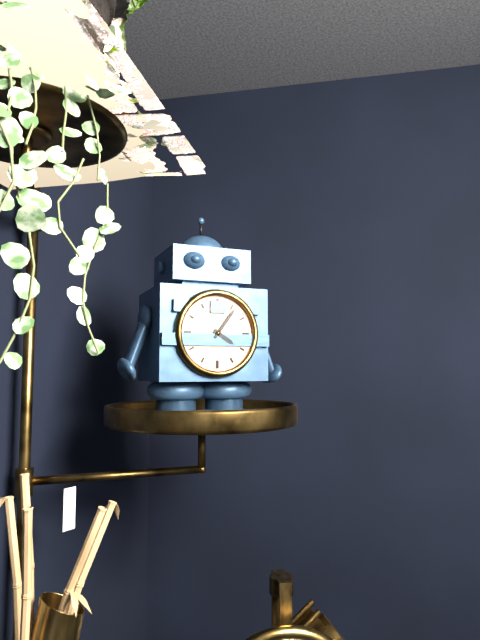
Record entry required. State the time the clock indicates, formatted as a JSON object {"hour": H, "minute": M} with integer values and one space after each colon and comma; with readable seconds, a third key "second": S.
{"hour": 4, "minute": 6}
